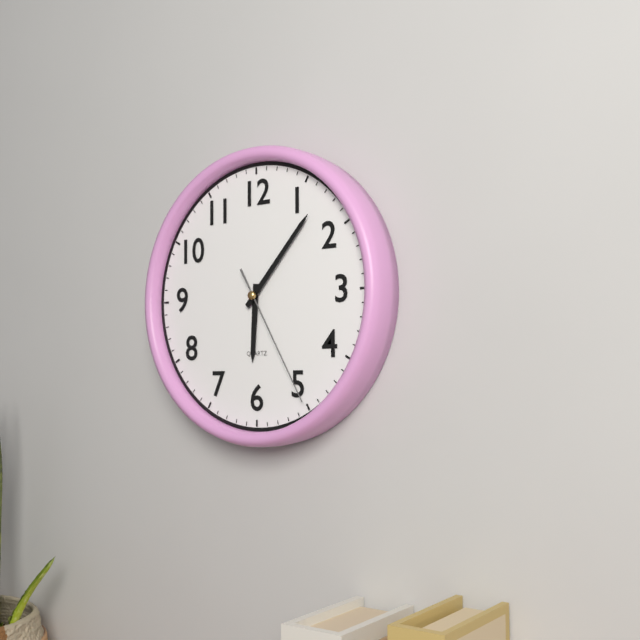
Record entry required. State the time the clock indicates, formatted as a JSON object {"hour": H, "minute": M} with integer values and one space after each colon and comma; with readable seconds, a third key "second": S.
{"hour": 6, "minute": 7, "second": 25}
